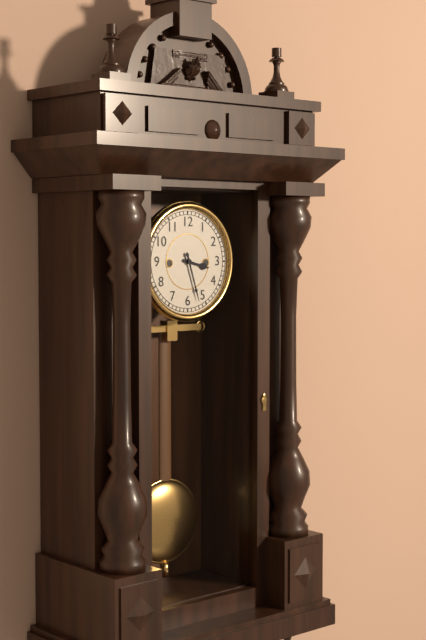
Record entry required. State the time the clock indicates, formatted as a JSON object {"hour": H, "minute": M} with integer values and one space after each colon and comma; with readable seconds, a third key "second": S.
{"hour": 3, "minute": 27}
